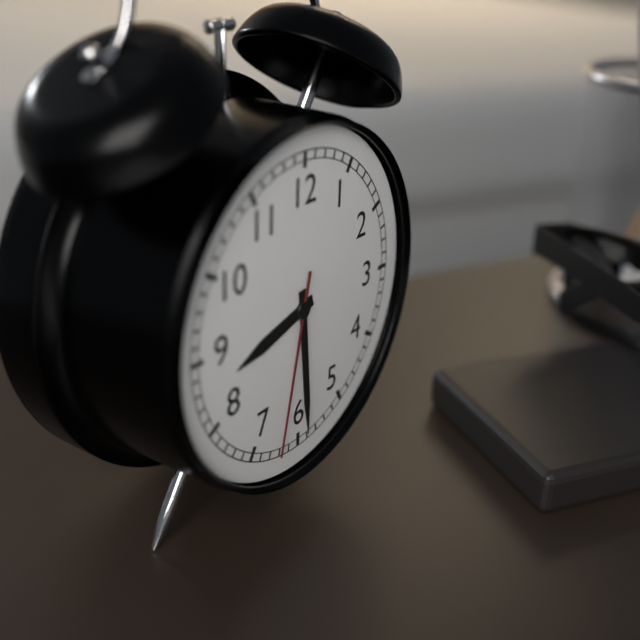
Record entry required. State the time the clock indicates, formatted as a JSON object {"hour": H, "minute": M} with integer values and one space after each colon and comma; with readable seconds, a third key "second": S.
{"hour": 8, "minute": 29, "second": 32}
